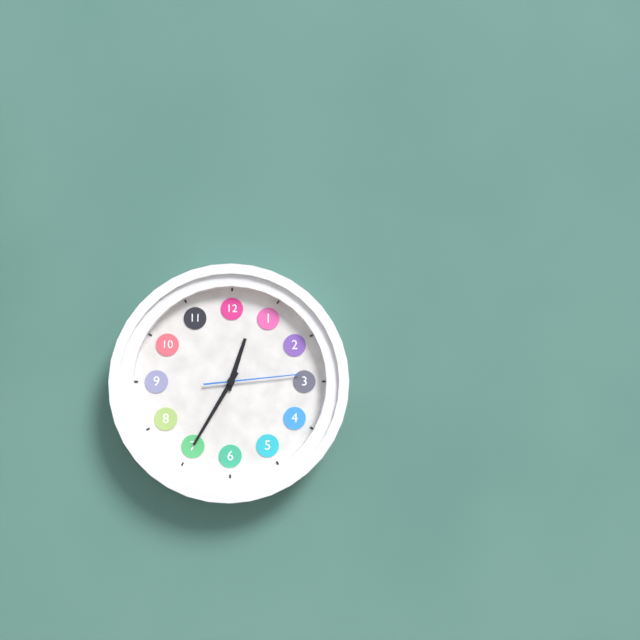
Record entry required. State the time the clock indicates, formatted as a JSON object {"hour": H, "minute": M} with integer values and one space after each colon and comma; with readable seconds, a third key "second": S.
{"hour": 12, "minute": 35, "second": 14}
